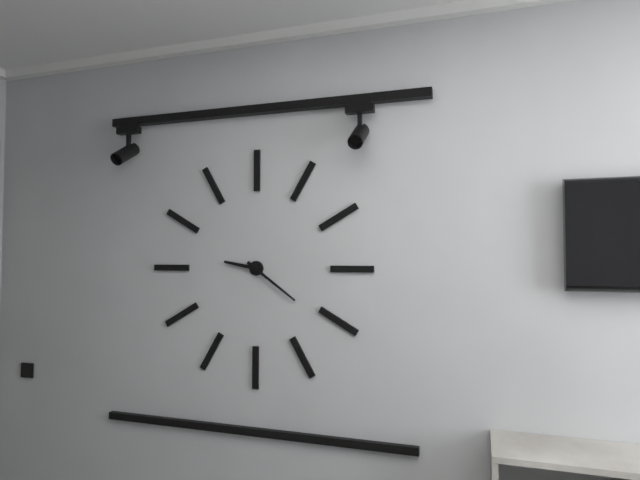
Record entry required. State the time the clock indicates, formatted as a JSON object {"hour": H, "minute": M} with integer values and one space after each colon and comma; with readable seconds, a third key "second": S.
{"hour": 9, "minute": 21}
